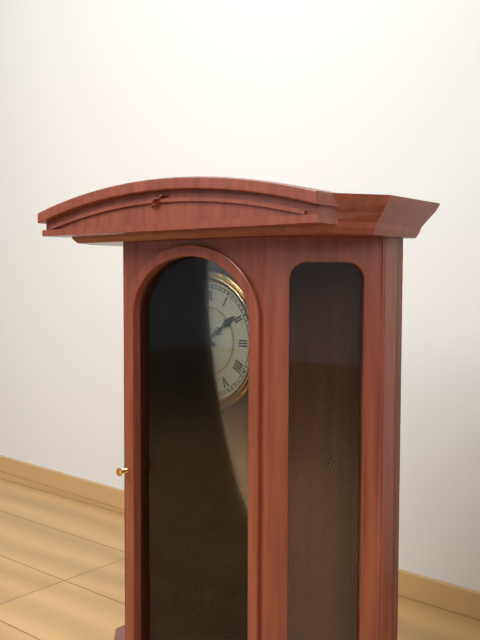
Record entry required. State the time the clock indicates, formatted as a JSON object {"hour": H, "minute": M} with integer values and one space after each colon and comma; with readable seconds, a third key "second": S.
{"hour": 1, "minute": 48}
